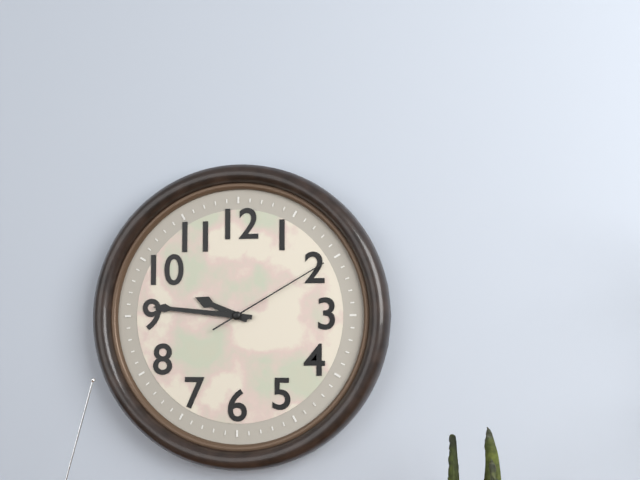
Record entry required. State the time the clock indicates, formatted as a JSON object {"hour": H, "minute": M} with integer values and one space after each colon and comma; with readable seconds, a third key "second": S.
{"hour": 9, "minute": 46, "second": 10}
